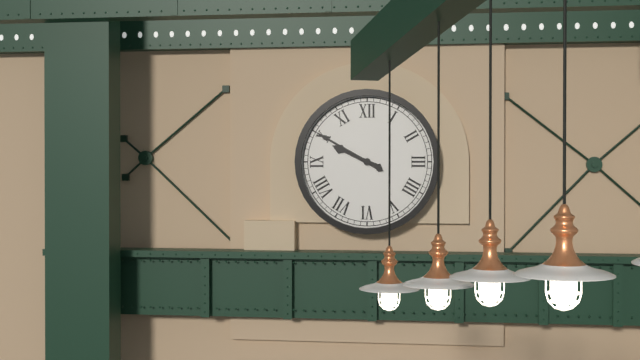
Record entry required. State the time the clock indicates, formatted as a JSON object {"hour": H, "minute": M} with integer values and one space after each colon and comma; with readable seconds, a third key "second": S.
{"hour": 9, "minute": 50}
